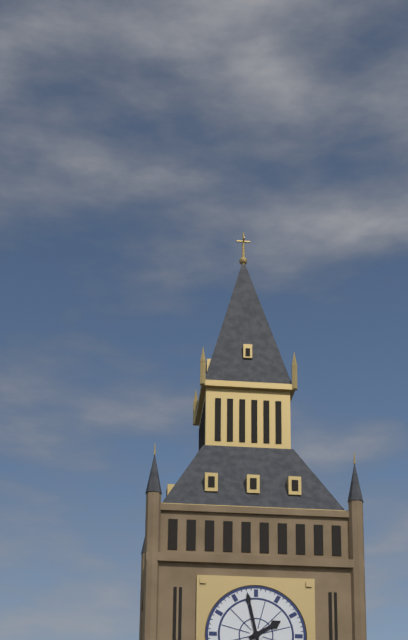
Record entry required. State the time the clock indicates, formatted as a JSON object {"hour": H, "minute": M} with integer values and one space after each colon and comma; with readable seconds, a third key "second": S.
{"hour": 1, "minute": 58}
